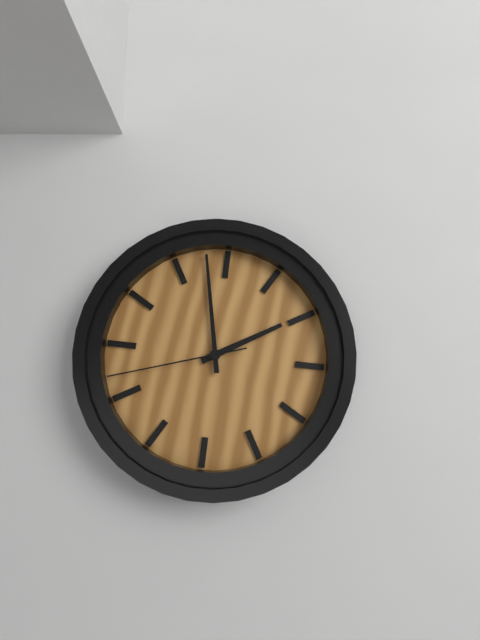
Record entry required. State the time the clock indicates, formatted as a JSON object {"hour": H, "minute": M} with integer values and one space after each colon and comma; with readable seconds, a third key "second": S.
{"hour": 1, "minute": 58, "second": 42}
